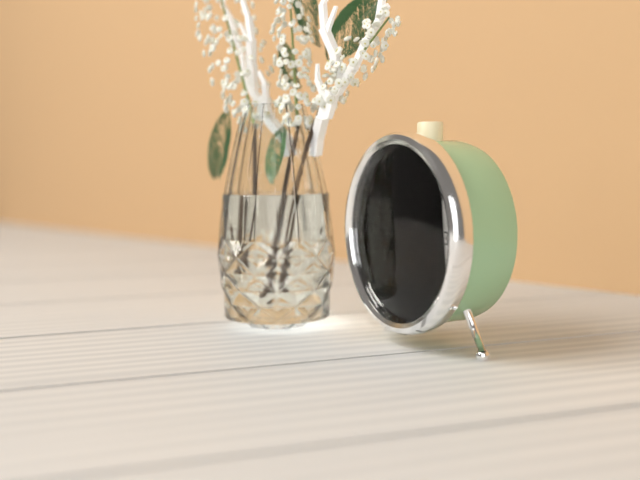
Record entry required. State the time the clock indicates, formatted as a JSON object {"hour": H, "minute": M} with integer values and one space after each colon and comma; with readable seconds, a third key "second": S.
{"hour": 2, "minute": 42}
